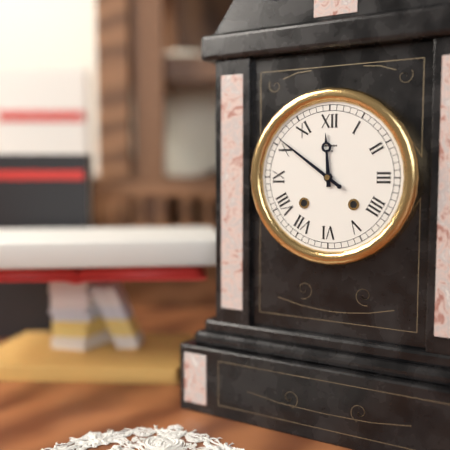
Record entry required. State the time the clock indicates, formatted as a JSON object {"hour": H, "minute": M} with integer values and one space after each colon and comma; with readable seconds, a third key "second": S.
{"hour": 11, "minute": 51}
